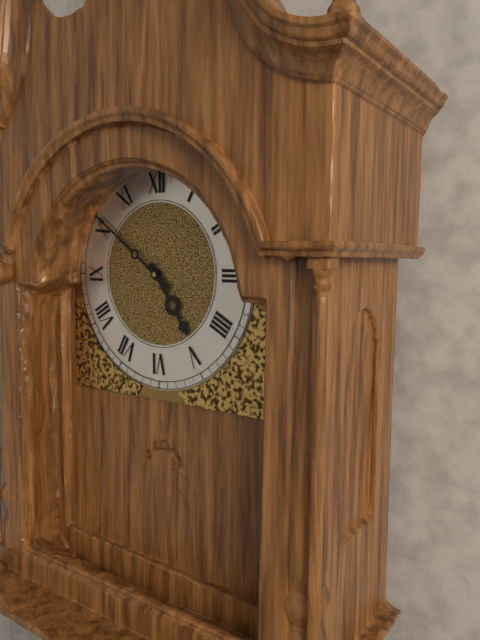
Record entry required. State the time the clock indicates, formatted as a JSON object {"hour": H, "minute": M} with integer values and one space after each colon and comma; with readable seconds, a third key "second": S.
{"hour": 4, "minute": 51}
